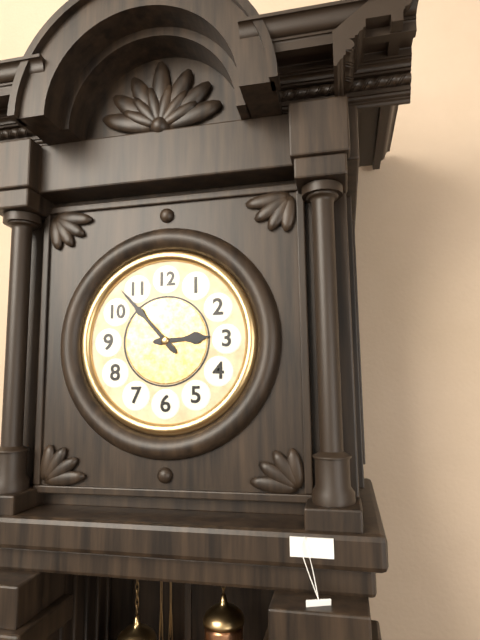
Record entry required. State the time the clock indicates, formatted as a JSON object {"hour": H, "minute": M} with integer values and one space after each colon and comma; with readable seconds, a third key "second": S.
{"hour": 2, "minute": 53}
